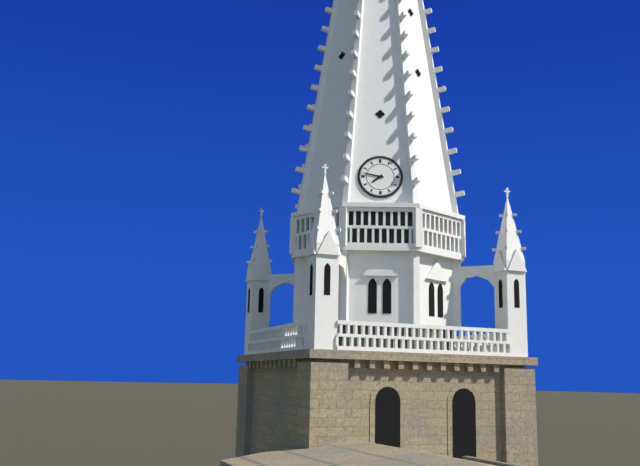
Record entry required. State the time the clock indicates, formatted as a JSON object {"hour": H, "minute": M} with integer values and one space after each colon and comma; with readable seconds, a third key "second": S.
{"hour": 7, "minute": 47}
